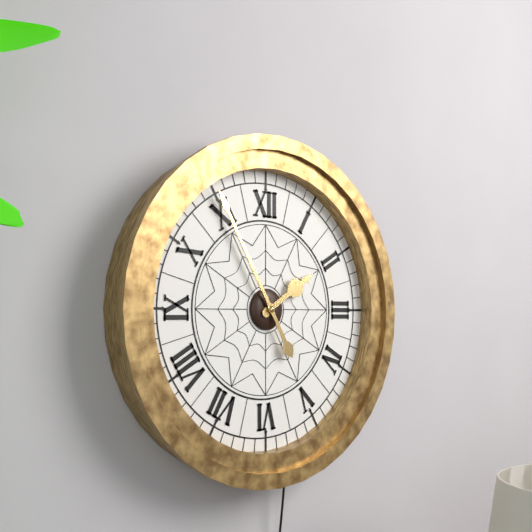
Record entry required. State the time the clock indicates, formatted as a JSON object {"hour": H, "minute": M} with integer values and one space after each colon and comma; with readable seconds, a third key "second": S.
{"hour": 1, "minute": 55}
